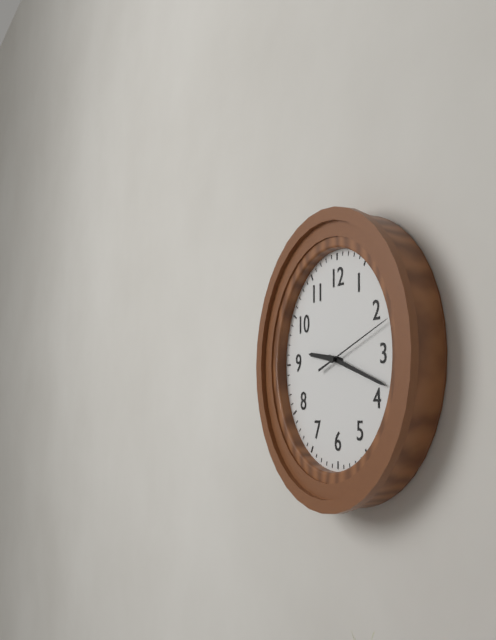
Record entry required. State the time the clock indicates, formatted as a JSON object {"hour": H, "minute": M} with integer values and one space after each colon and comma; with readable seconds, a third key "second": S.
{"hour": 9, "minute": 18, "second": 12}
